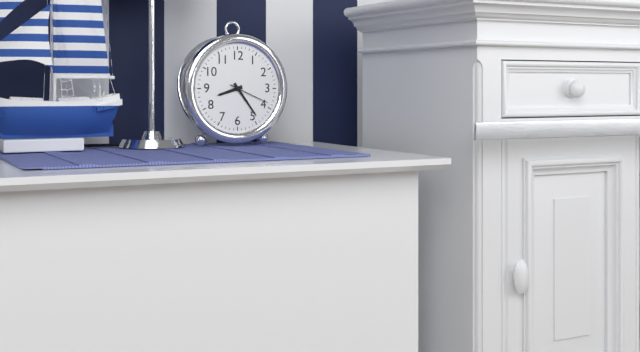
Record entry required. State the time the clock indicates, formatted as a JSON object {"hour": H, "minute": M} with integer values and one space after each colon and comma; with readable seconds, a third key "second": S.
{"hour": 8, "minute": 24}
